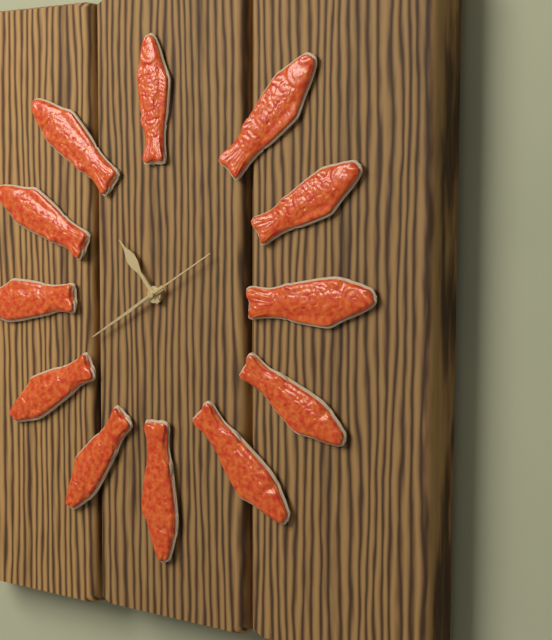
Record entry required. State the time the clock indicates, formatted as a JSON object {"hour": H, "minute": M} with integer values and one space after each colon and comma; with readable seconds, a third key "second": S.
{"hour": 10, "minute": 40, "second": 10}
